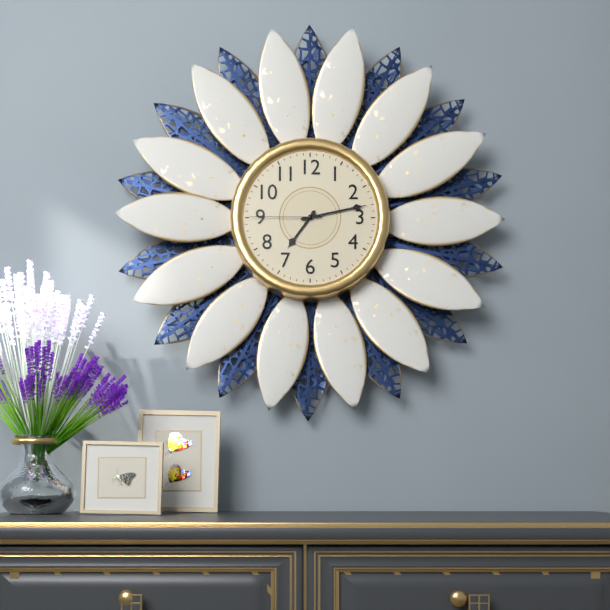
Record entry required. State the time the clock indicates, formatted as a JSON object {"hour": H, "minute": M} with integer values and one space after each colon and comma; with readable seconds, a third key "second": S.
{"hour": 7, "minute": 13, "second": 45}
